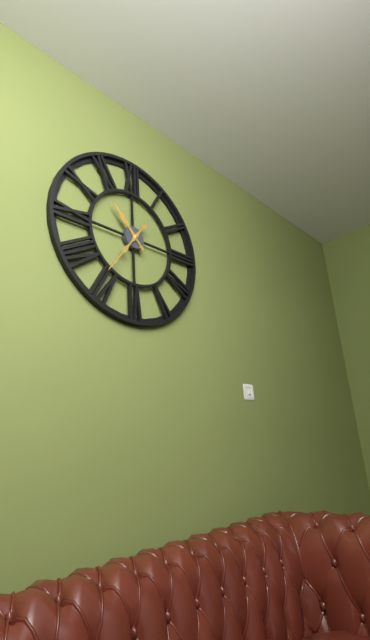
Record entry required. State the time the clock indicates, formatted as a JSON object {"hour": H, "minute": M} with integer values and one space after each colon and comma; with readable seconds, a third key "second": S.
{"hour": 10, "minute": 36}
